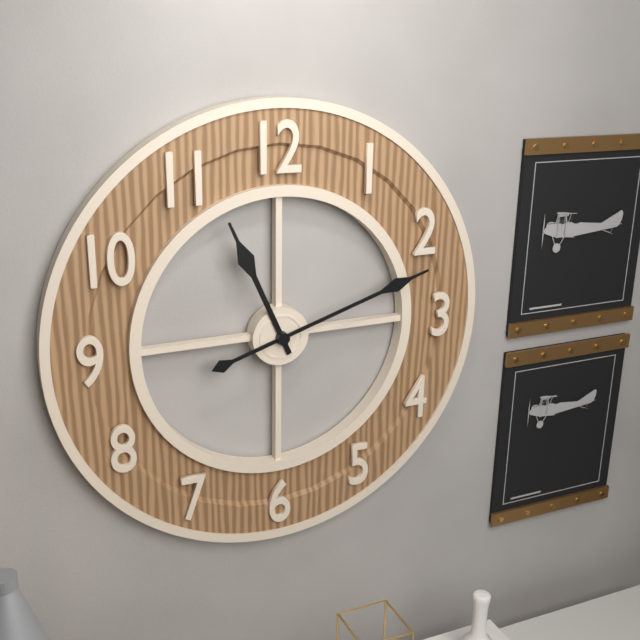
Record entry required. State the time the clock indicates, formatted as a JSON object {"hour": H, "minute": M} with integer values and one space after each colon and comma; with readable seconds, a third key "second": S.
{"hour": 11, "minute": 12}
